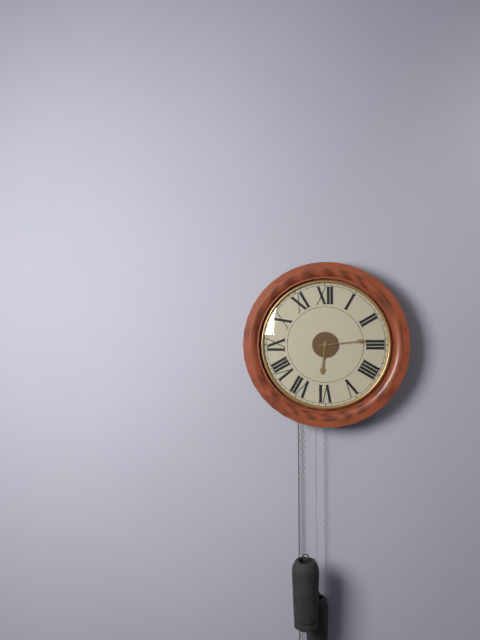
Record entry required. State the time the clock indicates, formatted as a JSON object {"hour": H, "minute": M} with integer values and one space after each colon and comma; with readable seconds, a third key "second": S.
{"hour": 6, "minute": 14}
